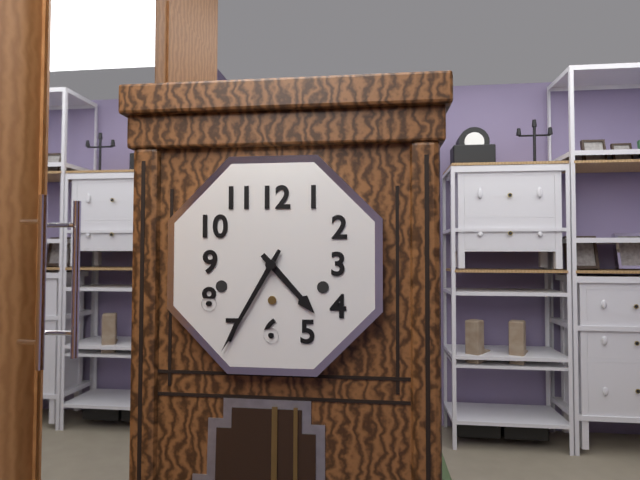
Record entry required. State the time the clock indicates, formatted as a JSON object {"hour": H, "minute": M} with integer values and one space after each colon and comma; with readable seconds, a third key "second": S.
{"hour": 4, "minute": 35}
